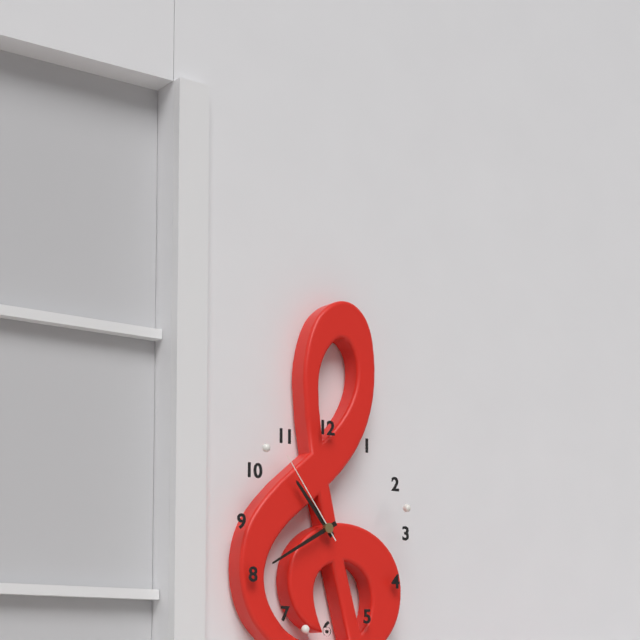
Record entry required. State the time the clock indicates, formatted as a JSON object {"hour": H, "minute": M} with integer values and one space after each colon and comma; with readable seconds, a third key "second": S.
{"hour": 10, "minute": 40, "second": 54}
